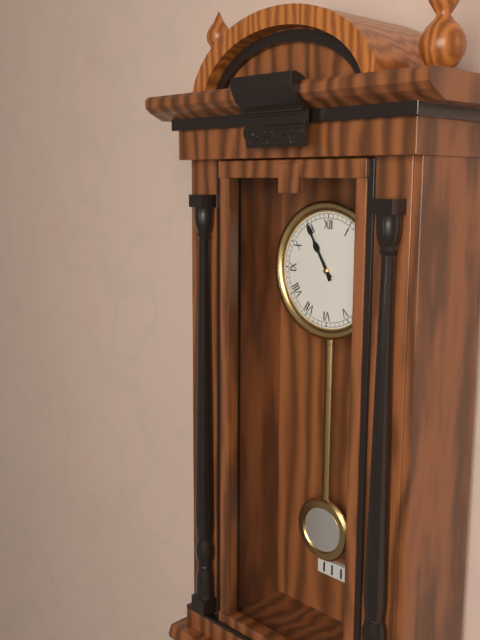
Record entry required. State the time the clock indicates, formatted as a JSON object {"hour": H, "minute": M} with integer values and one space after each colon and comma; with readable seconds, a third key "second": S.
{"hour": 10, "minute": 55}
